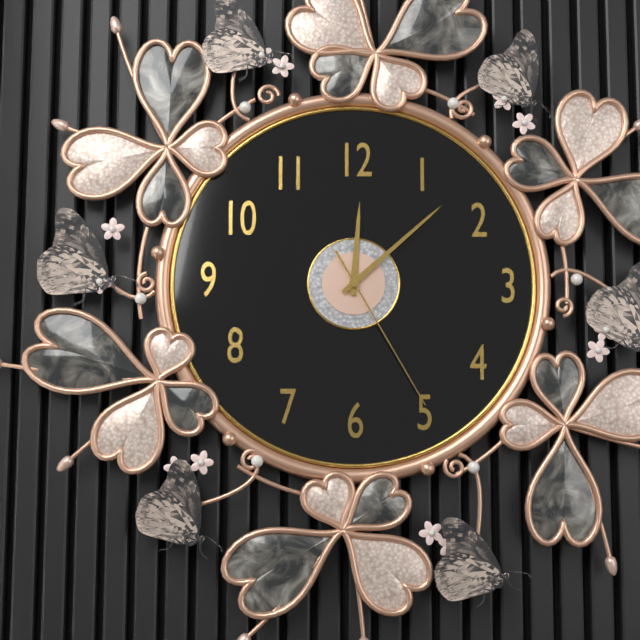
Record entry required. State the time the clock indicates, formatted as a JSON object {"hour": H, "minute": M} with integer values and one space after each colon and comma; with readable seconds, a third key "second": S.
{"hour": 12, "minute": 8, "second": 25}
